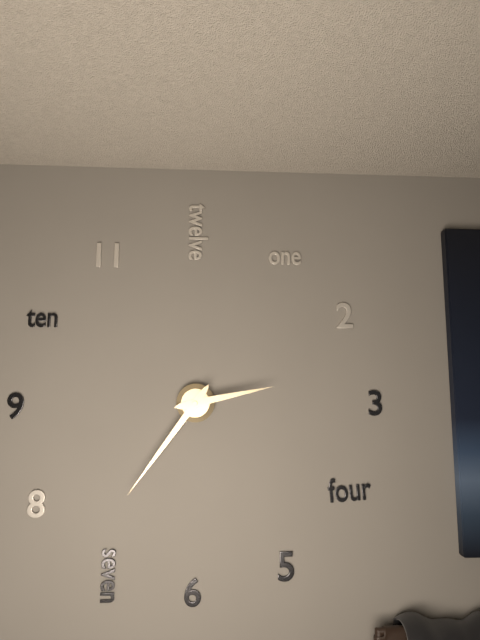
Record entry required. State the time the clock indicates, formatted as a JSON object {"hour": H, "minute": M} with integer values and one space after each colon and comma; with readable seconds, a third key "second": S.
{"hour": 2, "minute": 36}
